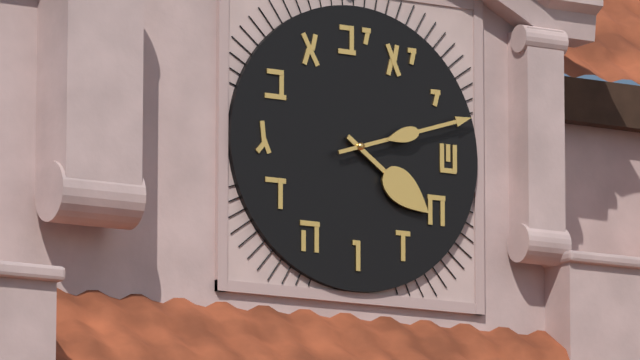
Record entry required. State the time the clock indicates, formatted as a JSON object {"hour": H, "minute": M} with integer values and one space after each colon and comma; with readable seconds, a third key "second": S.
{"hour": 4, "minute": 12}
